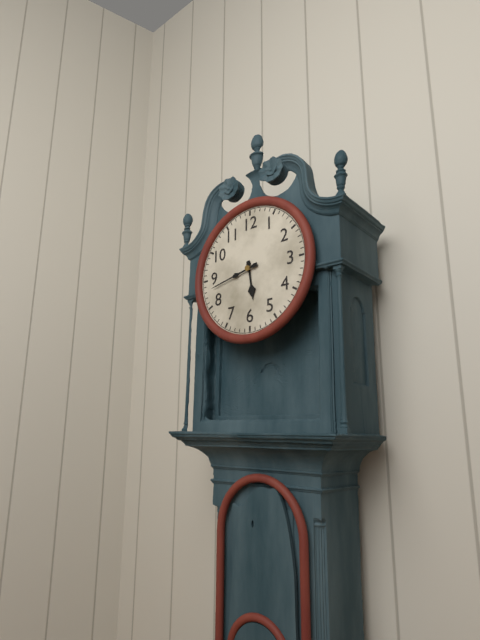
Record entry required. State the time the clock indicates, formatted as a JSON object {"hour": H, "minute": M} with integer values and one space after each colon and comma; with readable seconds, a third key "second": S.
{"hour": 5, "minute": 43}
